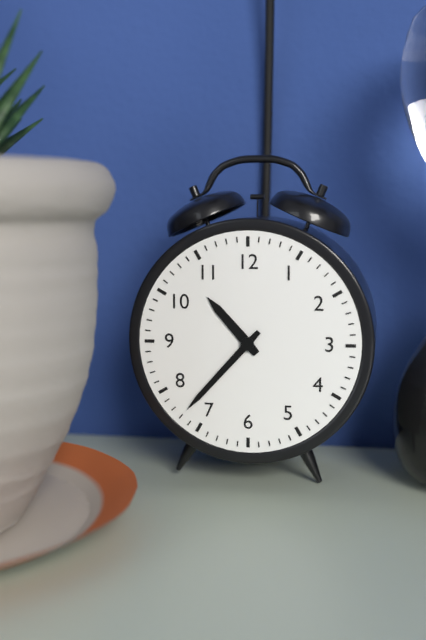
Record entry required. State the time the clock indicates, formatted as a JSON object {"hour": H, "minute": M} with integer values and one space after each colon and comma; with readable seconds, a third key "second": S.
{"hour": 10, "minute": 37}
